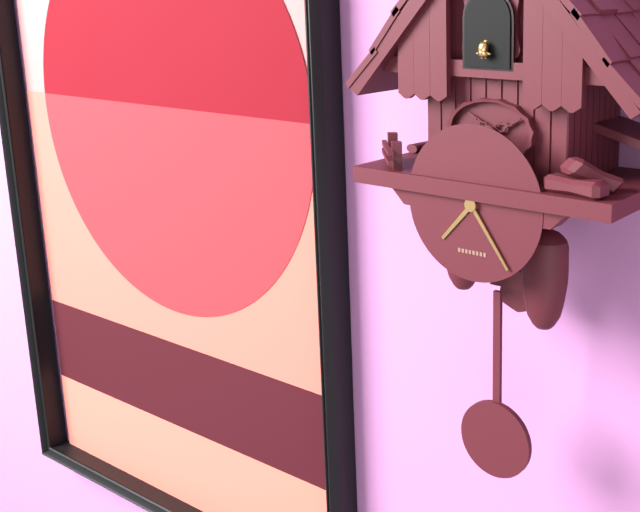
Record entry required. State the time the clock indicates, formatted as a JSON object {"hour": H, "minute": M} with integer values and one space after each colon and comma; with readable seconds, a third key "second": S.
{"hour": 7, "minute": 24}
